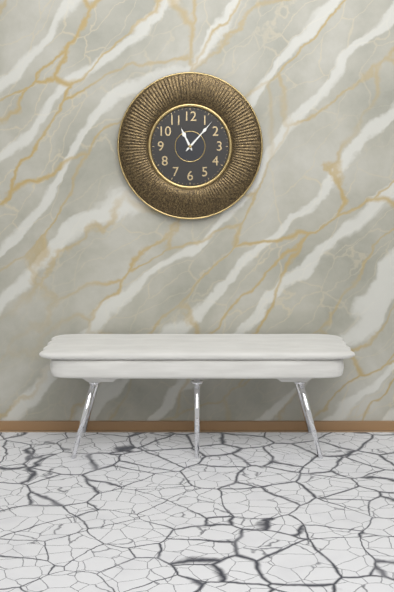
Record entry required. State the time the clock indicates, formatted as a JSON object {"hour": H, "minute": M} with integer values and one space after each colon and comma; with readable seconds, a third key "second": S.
{"hour": 11, "minute": 7}
